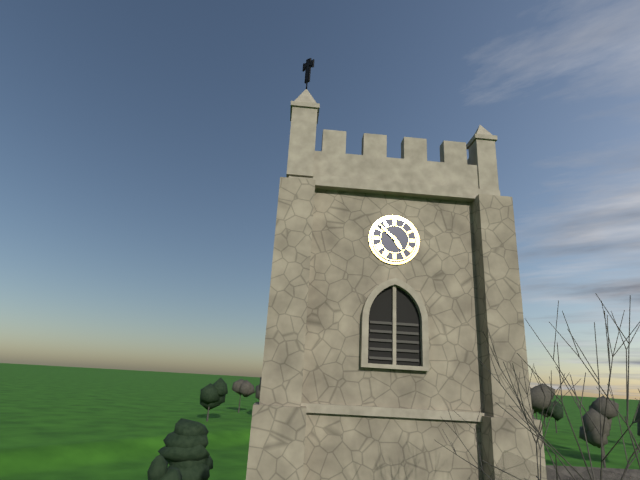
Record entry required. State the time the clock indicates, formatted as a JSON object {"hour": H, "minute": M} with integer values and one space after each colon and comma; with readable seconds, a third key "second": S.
{"hour": 4, "minute": 52}
